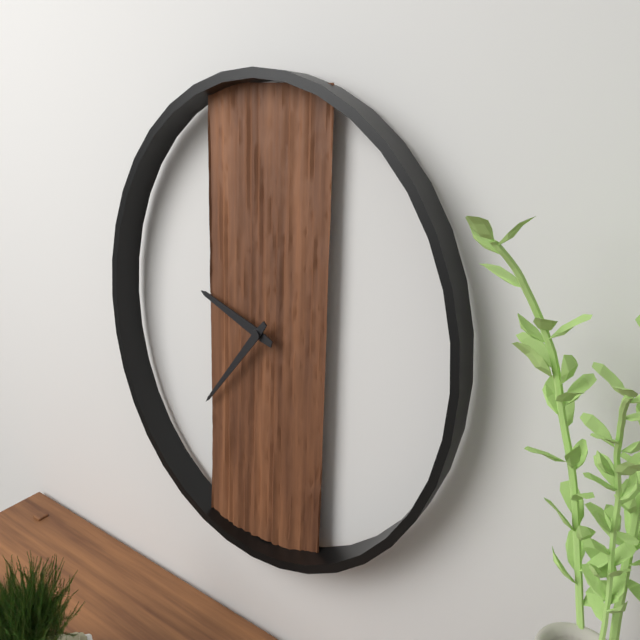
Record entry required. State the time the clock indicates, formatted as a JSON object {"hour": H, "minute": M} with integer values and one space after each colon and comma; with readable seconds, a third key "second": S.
{"hour": 9, "minute": 37}
